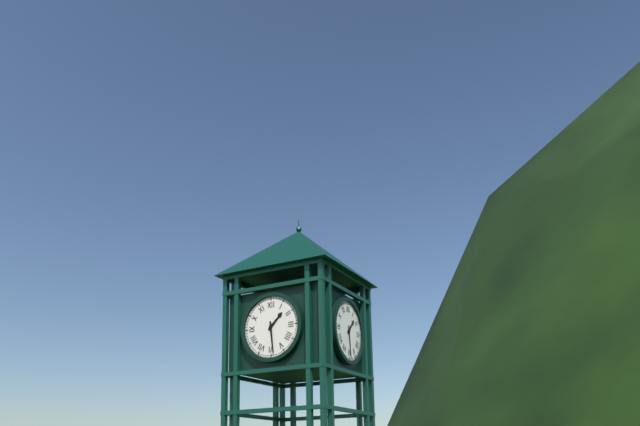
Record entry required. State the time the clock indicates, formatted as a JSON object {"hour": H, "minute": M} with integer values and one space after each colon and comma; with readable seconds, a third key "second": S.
{"hour": 1, "minute": 29}
